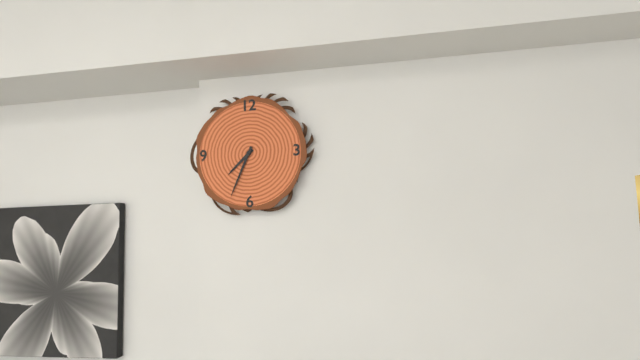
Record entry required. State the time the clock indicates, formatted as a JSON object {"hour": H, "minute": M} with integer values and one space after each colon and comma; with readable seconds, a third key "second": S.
{"hour": 7, "minute": 34}
